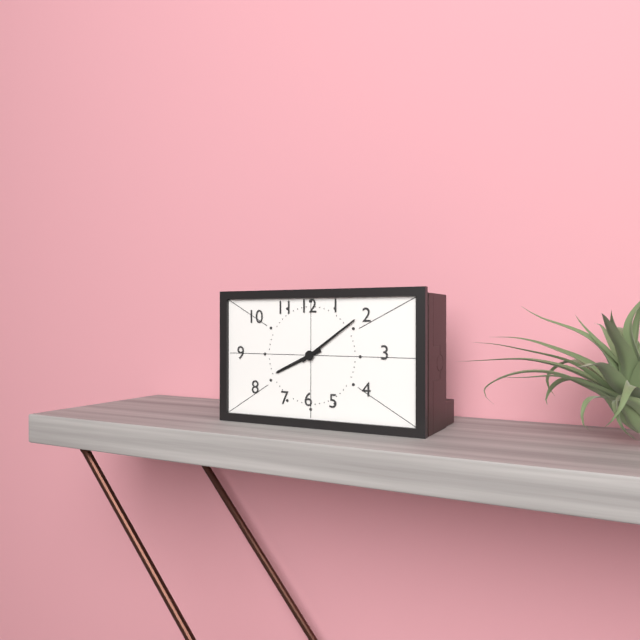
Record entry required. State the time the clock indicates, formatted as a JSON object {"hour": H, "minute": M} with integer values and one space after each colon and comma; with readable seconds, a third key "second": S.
{"hour": 8, "minute": 9}
